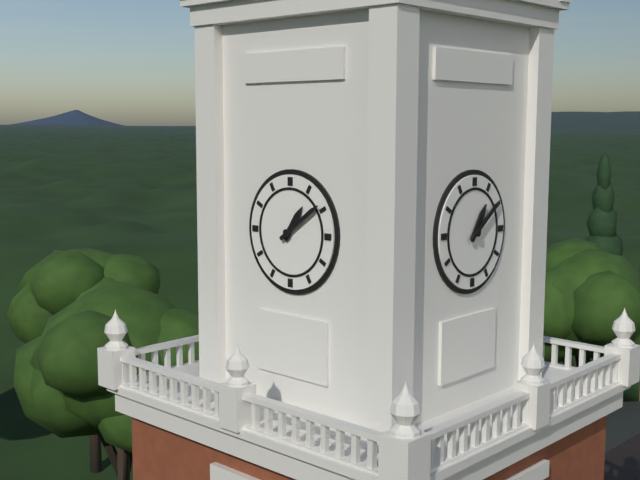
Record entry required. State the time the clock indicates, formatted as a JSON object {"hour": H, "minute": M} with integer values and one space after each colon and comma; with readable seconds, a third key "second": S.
{"hour": 1, "minute": 9}
